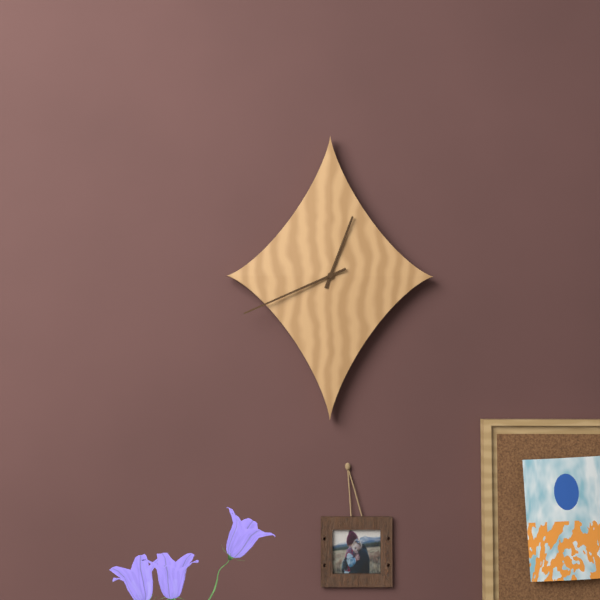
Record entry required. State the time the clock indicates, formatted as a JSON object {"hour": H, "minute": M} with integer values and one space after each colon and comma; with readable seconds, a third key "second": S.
{"hour": 12, "minute": 41}
